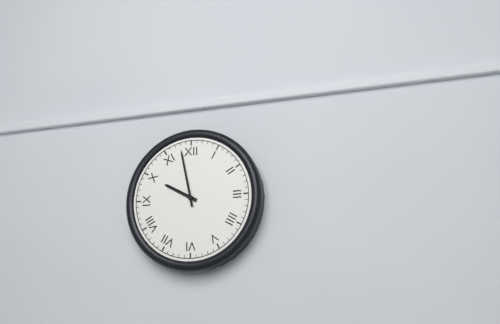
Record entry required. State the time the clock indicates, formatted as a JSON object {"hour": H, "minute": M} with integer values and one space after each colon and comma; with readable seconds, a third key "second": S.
{"hour": 9, "minute": 58}
